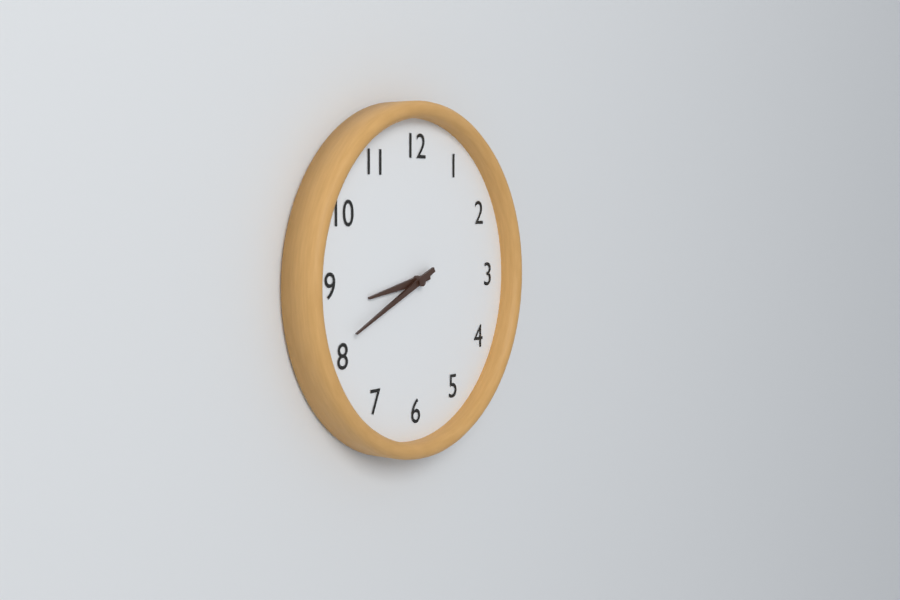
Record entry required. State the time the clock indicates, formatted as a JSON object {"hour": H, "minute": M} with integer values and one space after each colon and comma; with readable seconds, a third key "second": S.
{"hour": 8, "minute": 41}
